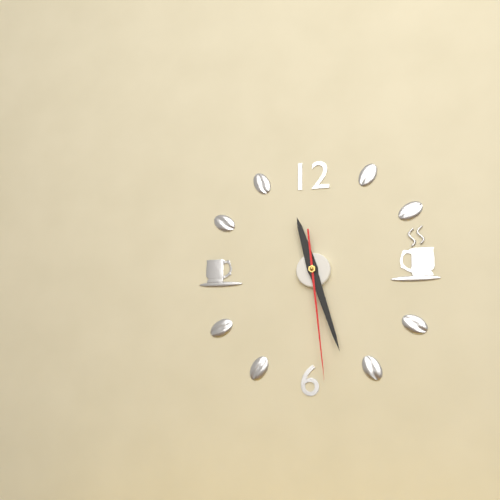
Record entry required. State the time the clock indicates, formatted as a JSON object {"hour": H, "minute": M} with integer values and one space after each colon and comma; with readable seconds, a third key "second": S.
{"hour": 11, "minute": 27, "second": 29}
